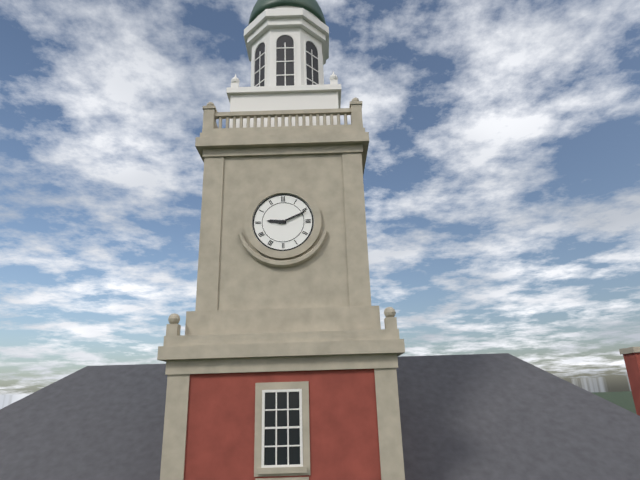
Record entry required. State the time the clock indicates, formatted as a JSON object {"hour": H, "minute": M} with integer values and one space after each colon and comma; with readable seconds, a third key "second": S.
{"hour": 9, "minute": 11}
